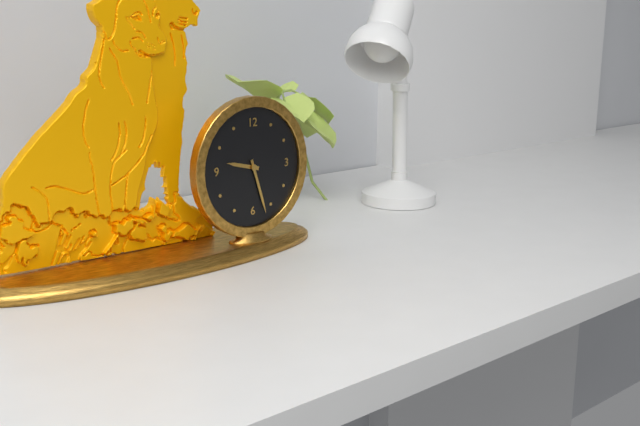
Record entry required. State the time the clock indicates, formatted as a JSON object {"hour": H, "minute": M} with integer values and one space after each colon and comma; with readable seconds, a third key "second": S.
{"hour": 9, "minute": 27}
